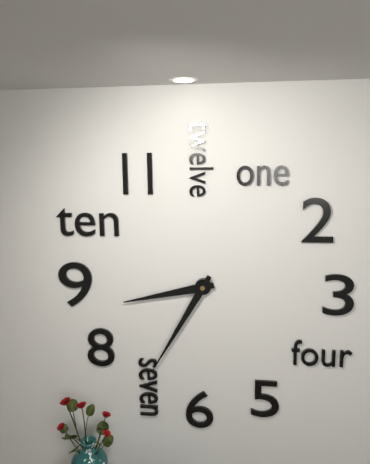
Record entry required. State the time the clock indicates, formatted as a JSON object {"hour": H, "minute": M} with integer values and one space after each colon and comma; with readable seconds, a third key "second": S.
{"hour": 8, "minute": 35}
